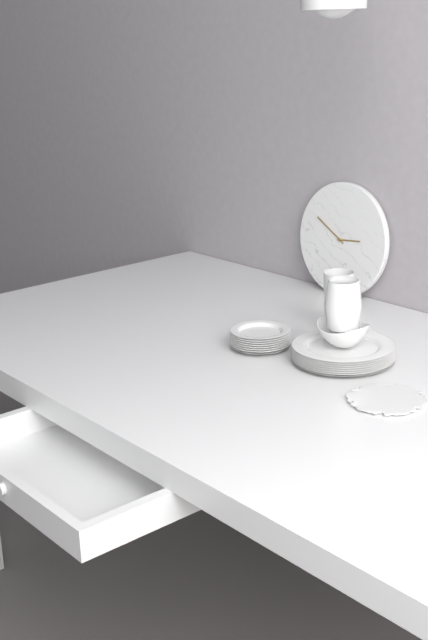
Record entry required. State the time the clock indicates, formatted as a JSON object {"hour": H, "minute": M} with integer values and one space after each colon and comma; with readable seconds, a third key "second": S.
{"hour": 2, "minute": 50}
